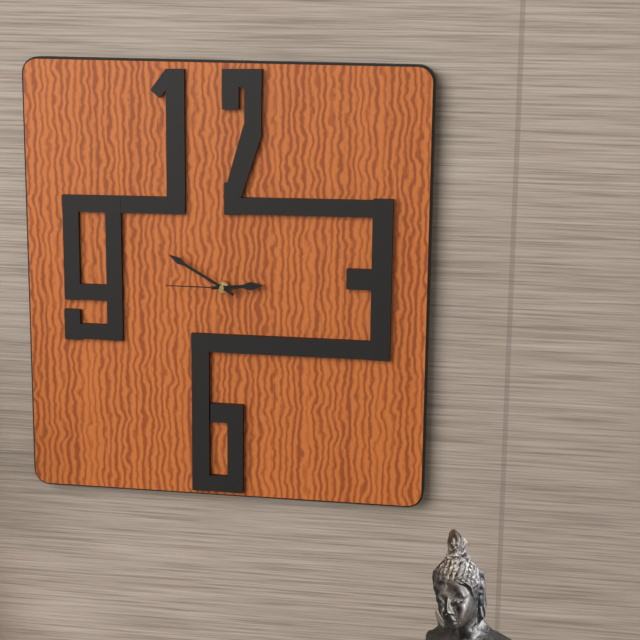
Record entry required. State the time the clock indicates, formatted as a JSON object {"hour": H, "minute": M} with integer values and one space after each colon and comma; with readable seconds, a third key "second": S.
{"hour": 2, "minute": 50, "second": 45}
